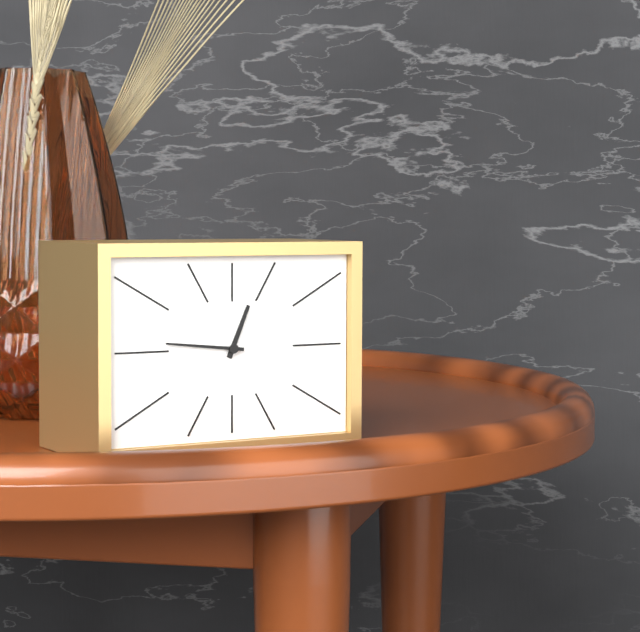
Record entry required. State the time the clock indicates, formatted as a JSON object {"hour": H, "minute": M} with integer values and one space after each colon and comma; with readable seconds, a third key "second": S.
{"hour": 12, "minute": 46}
